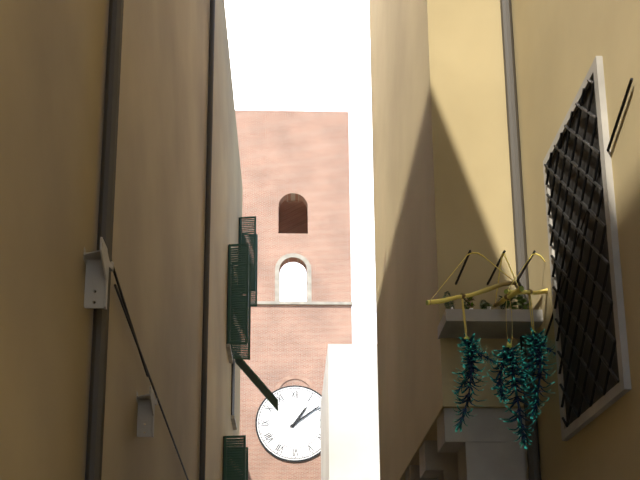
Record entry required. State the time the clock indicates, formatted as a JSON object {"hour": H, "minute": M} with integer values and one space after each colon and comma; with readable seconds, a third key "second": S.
{"hour": 1, "minute": 9}
